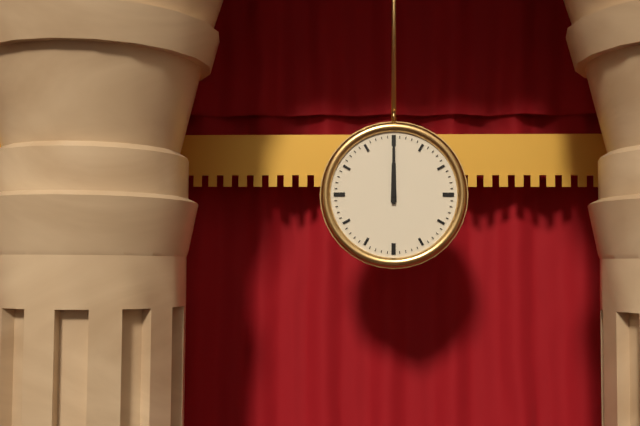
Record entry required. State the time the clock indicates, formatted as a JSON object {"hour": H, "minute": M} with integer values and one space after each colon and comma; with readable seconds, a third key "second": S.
{"hour": 12, "minute": 0}
